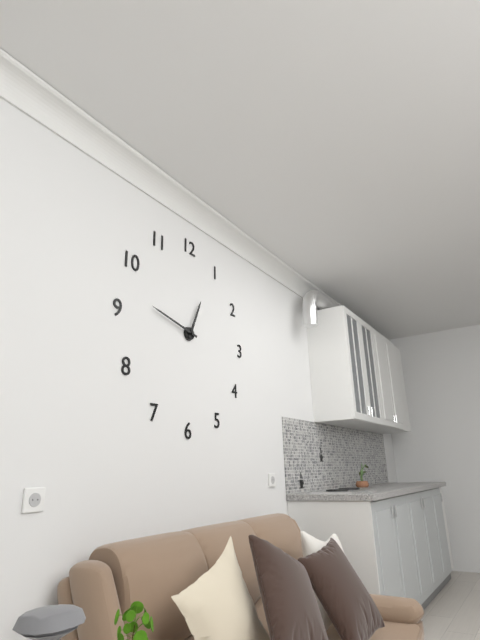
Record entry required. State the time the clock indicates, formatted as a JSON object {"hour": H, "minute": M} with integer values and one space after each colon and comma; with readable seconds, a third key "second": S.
{"hour": 12, "minute": 47}
